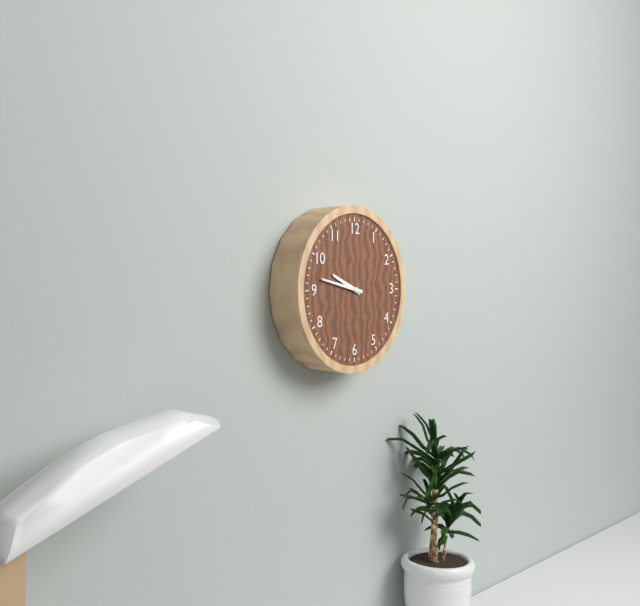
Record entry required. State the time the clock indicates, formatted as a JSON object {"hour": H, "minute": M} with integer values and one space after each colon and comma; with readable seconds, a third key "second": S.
{"hour": 9, "minute": 47}
